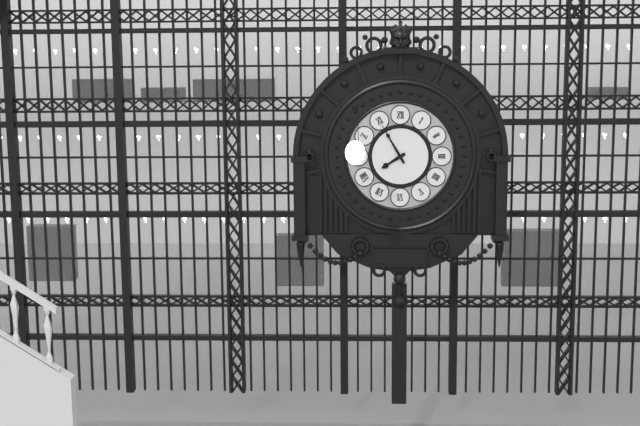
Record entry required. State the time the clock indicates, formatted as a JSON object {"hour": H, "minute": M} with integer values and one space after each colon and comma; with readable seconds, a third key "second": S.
{"hour": 7, "minute": 55}
